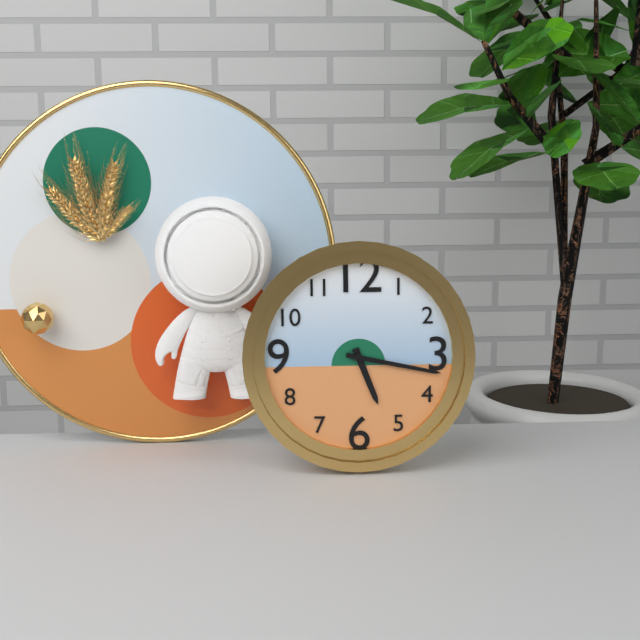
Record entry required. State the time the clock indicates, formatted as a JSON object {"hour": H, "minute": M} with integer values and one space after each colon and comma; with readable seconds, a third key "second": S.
{"hour": 5, "minute": 17}
